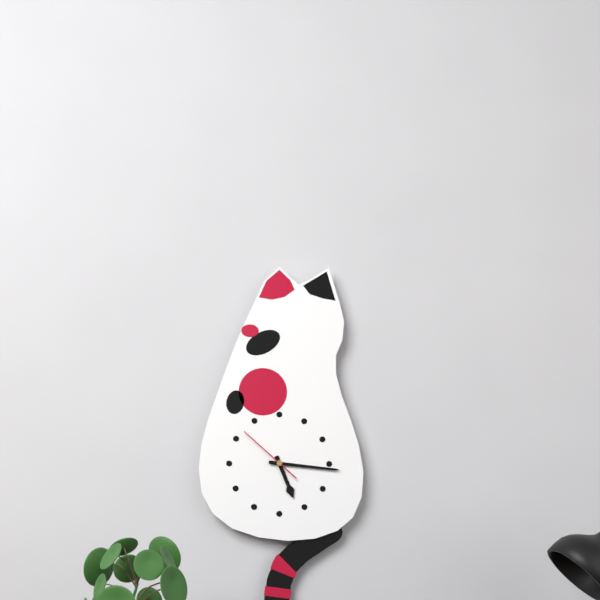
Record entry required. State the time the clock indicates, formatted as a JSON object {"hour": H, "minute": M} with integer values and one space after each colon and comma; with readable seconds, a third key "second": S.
{"hour": 5, "minute": 16, "second": 52}
